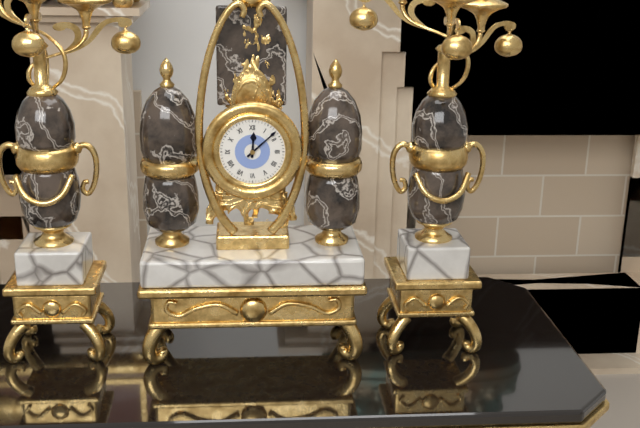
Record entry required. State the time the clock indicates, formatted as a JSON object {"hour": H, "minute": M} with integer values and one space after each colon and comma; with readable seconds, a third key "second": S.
{"hour": 12, "minute": 8}
